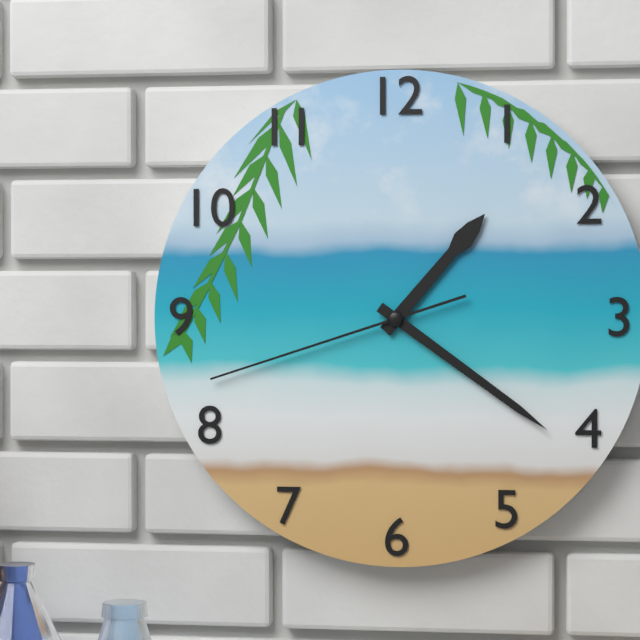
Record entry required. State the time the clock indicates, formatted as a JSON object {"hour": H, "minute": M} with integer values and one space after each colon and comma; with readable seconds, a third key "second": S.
{"hour": 1, "minute": 21, "second": 42}
